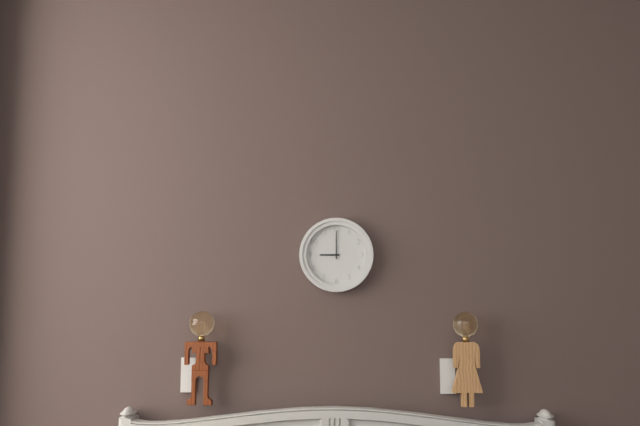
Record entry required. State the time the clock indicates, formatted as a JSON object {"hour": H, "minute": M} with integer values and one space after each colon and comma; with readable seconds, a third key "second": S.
{"hour": 9, "minute": 0}
